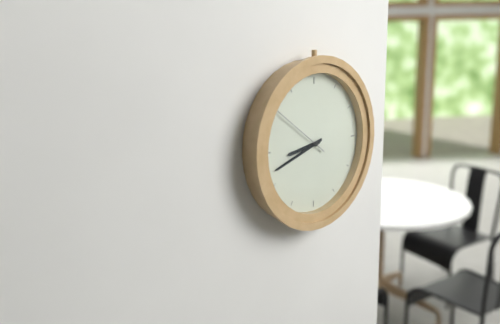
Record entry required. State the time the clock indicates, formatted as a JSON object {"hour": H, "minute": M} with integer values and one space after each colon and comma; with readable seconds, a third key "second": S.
{"hour": 8, "minute": 42, "second": 51}
